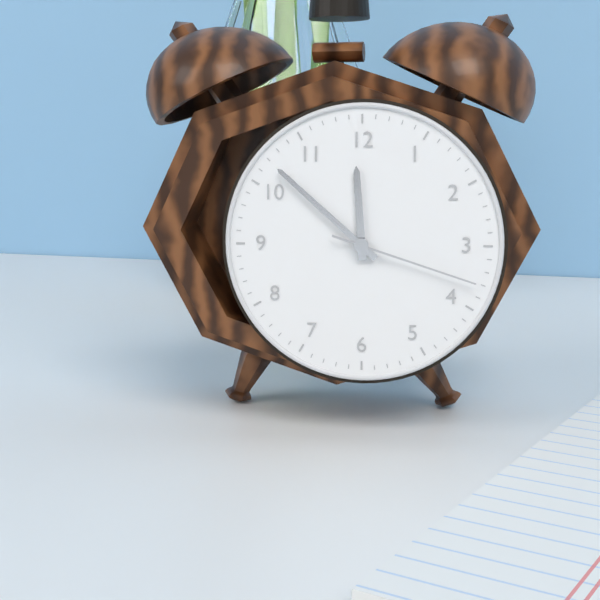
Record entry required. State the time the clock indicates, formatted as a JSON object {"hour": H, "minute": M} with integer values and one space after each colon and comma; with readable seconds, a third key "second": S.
{"hour": 11, "minute": 52, "second": 18}
